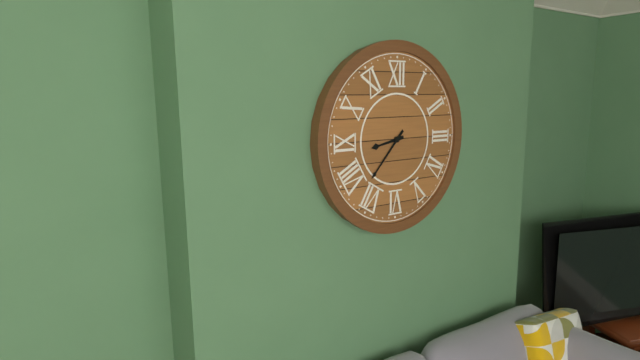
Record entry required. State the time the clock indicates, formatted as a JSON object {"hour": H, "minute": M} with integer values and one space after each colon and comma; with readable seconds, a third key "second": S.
{"hour": 8, "minute": 37}
